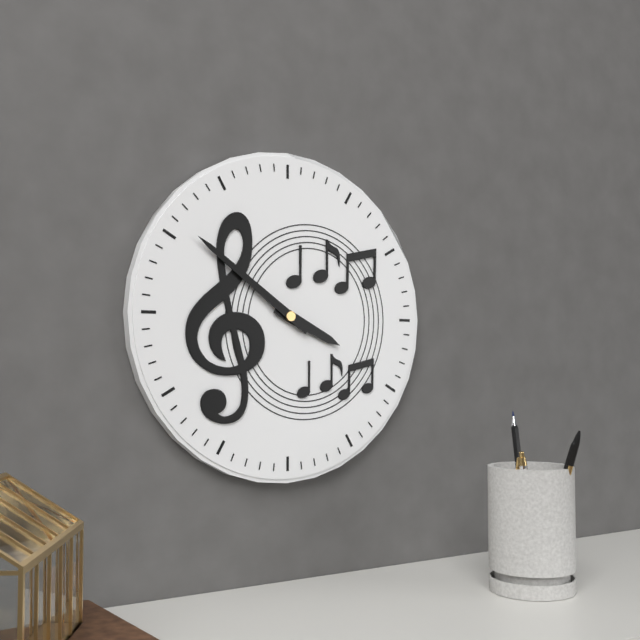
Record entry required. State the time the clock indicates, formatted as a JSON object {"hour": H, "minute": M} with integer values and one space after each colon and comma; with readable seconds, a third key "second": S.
{"hour": 3, "minute": 51}
